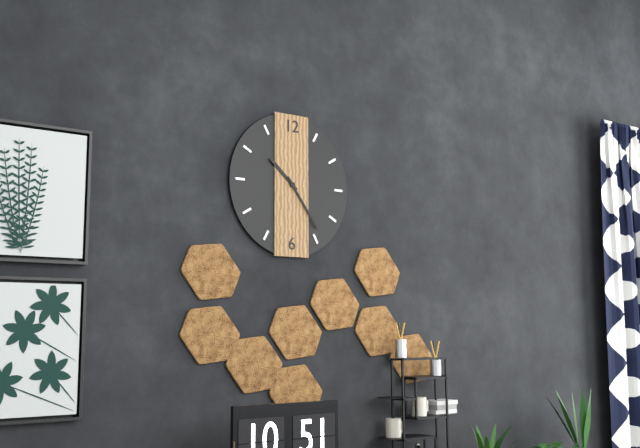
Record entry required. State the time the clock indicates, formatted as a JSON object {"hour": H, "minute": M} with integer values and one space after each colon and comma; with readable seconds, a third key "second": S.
{"hour": 10, "minute": 24}
